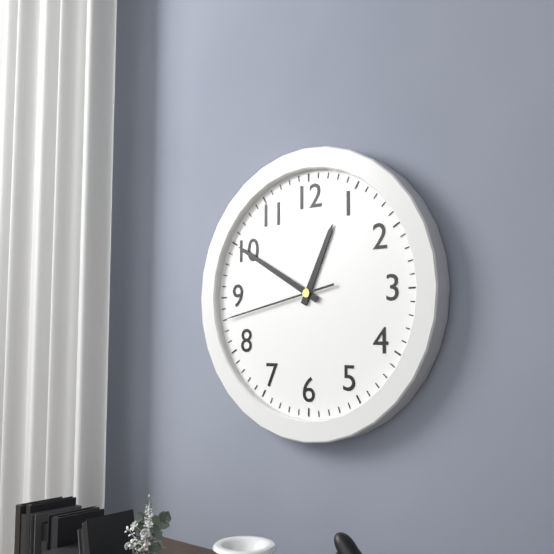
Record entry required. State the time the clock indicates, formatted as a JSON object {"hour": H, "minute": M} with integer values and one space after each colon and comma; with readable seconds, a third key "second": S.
{"hour": 12, "minute": 50, "second": 43}
